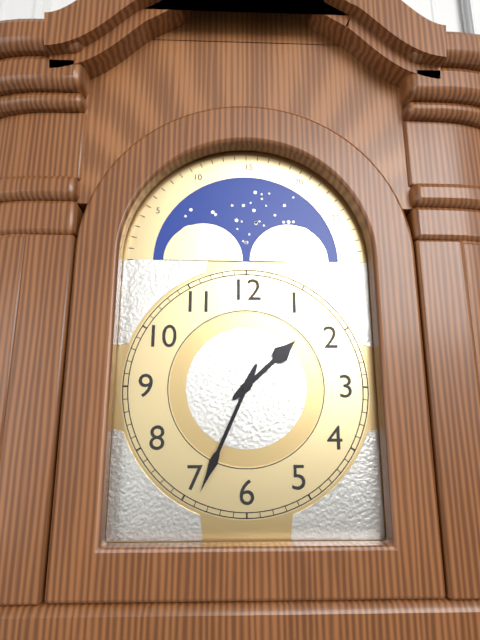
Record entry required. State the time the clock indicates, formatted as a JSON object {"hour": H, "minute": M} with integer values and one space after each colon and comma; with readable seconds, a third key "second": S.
{"hour": 1, "minute": 34}
